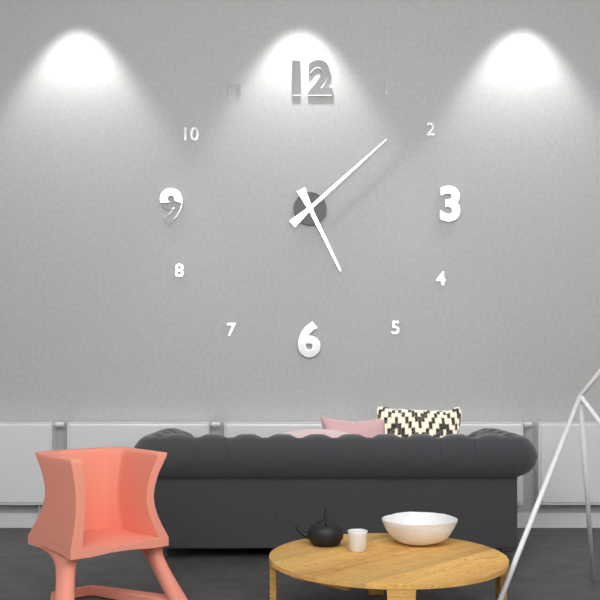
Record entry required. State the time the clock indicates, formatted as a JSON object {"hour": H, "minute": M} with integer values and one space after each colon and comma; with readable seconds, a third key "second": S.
{"hour": 5, "minute": 8}
